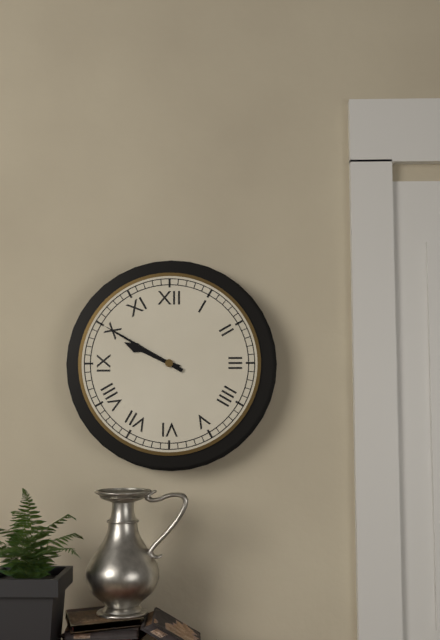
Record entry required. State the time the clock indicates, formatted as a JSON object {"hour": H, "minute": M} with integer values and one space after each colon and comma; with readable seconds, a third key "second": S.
{"hour": 9, "minute": 50}
